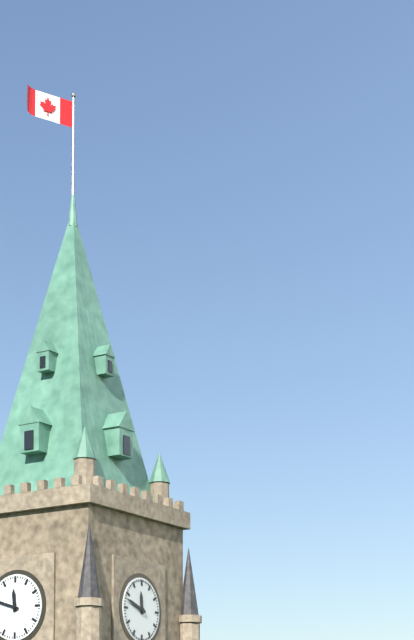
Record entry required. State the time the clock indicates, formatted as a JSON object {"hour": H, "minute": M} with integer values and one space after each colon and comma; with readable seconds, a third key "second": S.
{"hour": 11, "minute": 48}
